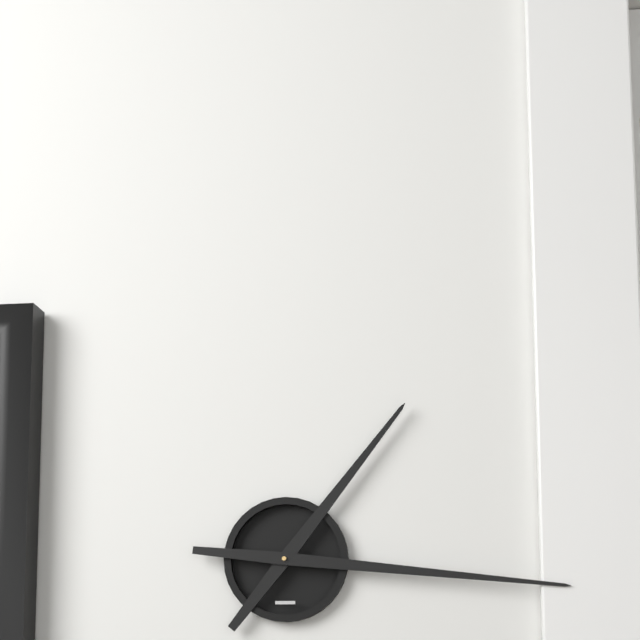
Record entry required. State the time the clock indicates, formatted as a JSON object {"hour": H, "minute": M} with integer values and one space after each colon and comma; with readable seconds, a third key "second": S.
{"hour": 1, "minute": 16}
